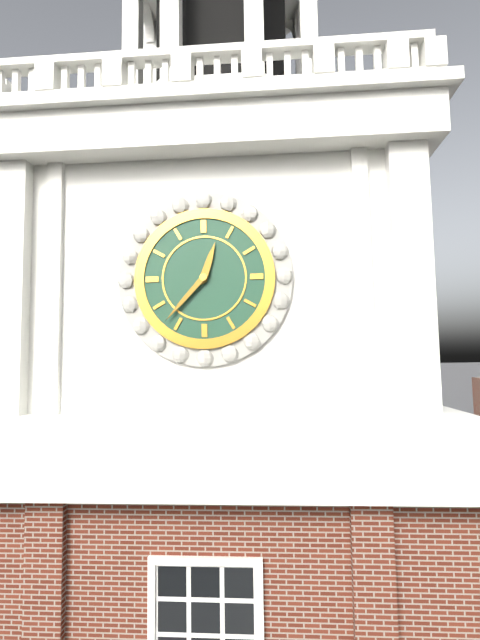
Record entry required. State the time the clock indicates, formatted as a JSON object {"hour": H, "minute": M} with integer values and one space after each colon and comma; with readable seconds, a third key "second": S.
{"hour": 12, "minute": 37}
